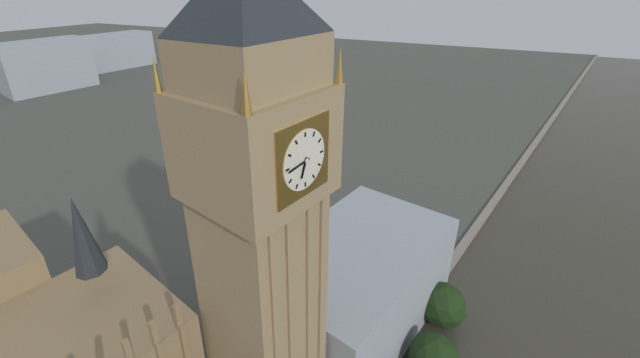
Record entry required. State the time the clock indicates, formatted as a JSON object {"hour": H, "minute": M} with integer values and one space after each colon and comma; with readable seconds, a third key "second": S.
{"hour": 6, "minute": 44}
